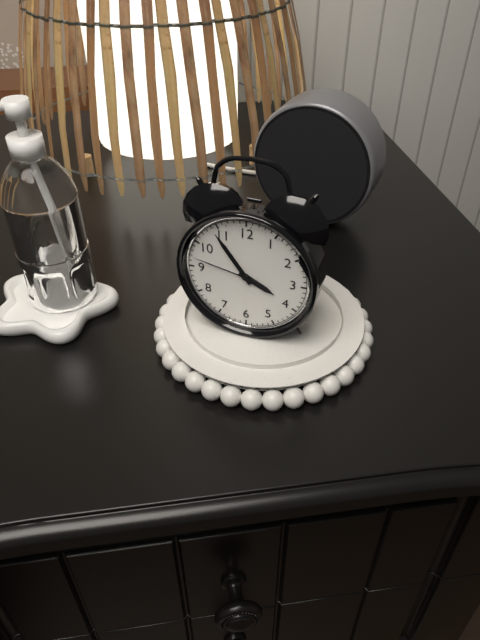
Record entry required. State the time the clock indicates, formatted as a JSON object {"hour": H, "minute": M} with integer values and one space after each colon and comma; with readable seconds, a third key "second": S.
{"hour": 3, "minute": 54, "second": 47}
